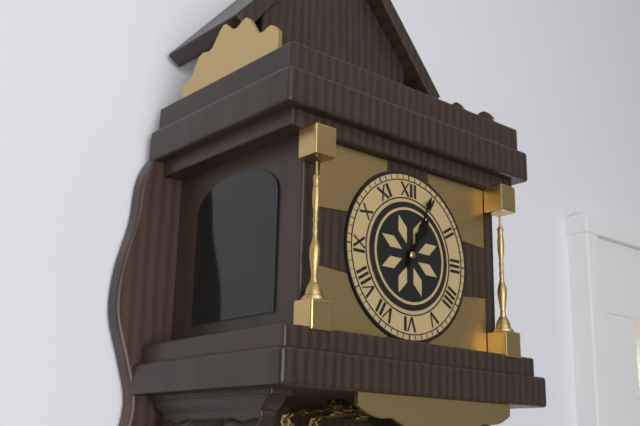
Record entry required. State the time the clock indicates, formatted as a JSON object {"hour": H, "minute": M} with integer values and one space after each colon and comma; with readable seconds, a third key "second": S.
{"hour": 1, "minute": 4}
